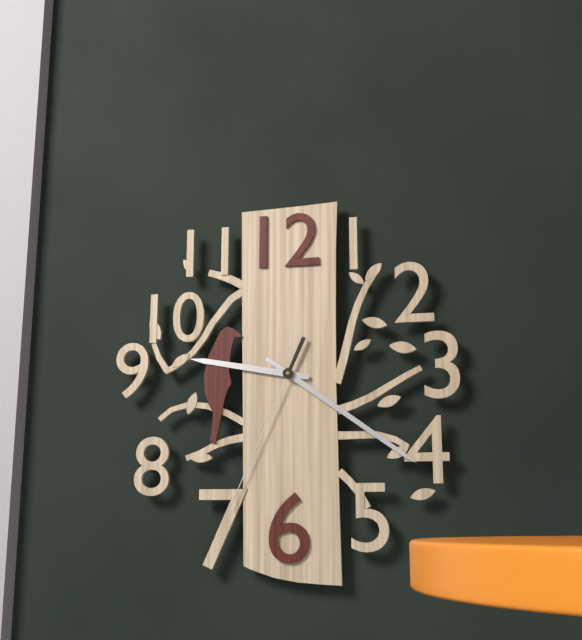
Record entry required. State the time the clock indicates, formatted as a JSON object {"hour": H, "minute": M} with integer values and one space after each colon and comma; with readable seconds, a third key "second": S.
{"hour": 9, "minute": 21, "second": 34}
